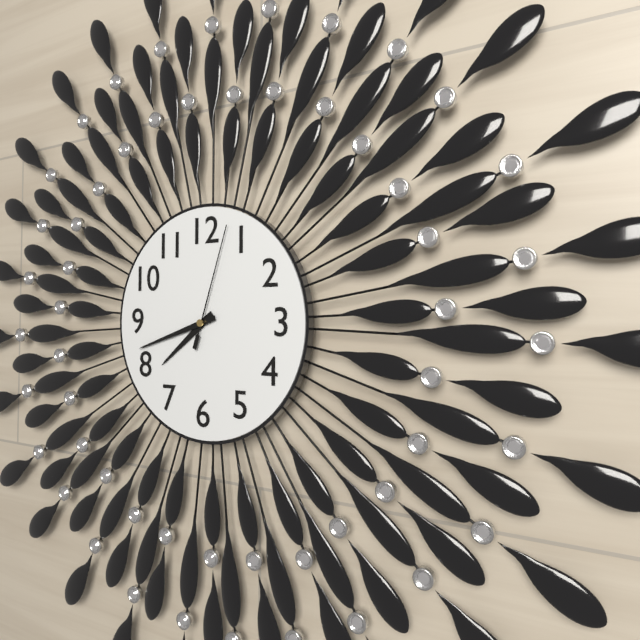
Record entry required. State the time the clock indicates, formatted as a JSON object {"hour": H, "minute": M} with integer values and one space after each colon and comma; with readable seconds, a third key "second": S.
{"hour": 7, "minute": 42, "second": 3}
